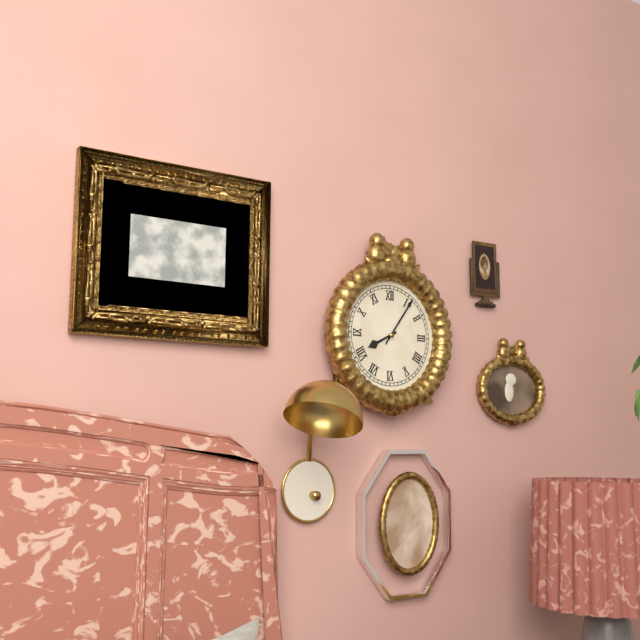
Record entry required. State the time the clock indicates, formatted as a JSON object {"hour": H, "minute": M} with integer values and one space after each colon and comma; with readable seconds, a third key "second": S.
{"hour": 8, "minute": 6}
